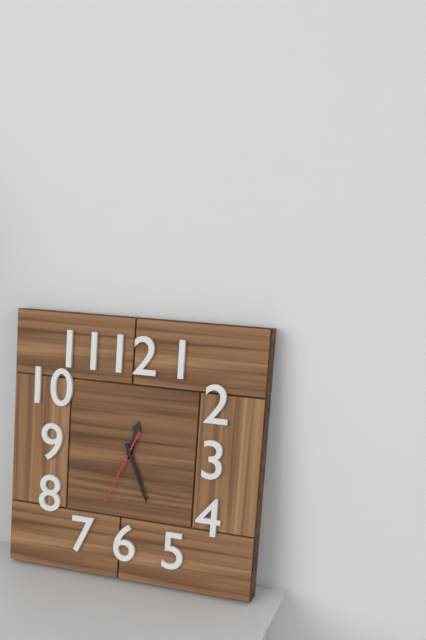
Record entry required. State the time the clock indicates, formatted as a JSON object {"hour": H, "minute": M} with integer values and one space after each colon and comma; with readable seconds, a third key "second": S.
{"hour": 12, "minute": 26, "second": 34}
